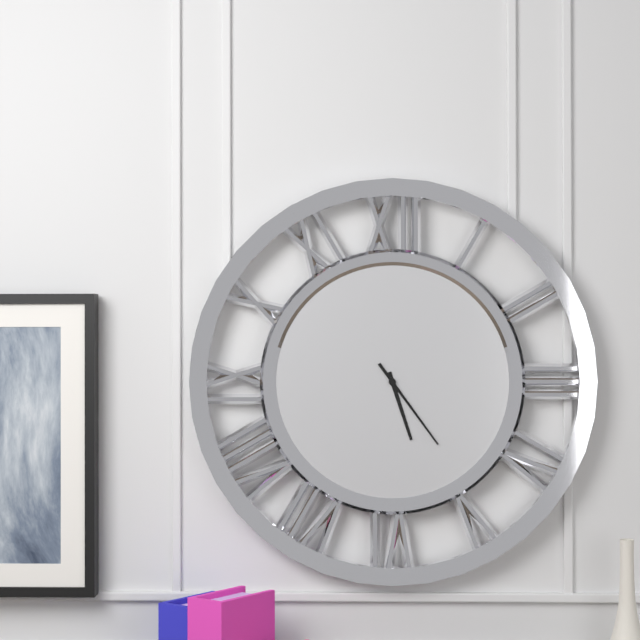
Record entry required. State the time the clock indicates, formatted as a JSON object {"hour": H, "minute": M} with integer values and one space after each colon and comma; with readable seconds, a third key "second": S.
{"hour": 5, "minute": 24}
